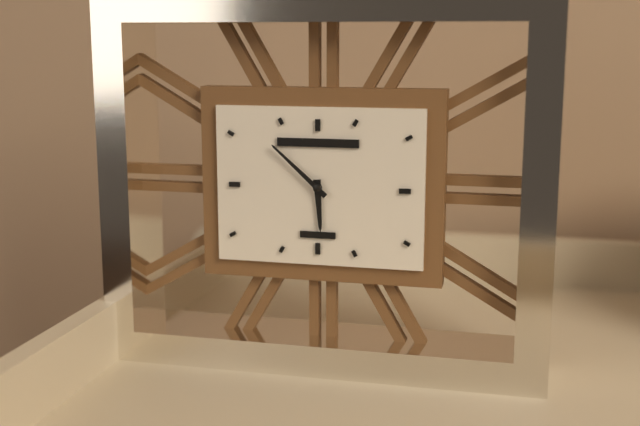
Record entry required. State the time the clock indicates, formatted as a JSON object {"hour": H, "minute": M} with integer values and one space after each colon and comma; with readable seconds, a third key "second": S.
{"hour": 5, "minute": 52}
